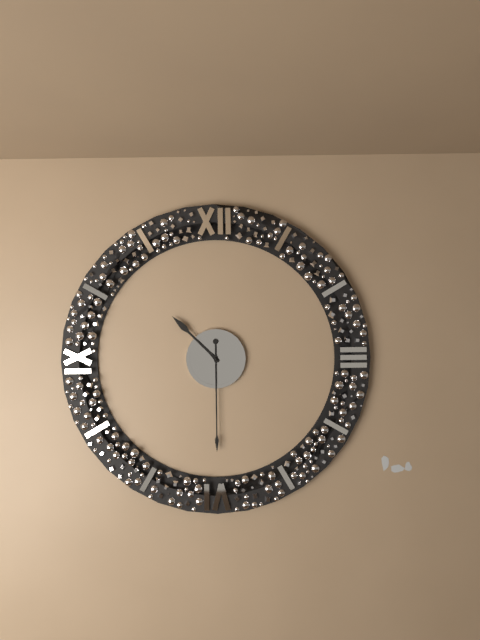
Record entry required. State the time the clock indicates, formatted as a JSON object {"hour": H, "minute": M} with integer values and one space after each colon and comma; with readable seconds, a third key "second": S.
{"hour": 10, "minute": 30}
